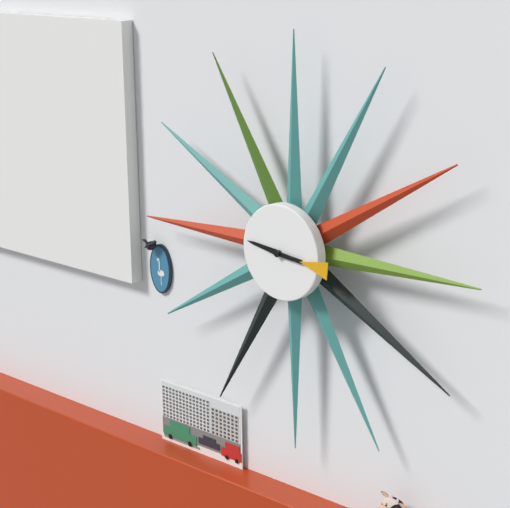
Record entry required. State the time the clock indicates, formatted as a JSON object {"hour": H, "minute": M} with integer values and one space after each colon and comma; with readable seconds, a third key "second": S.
{"hour": 9, "minute": 16}
